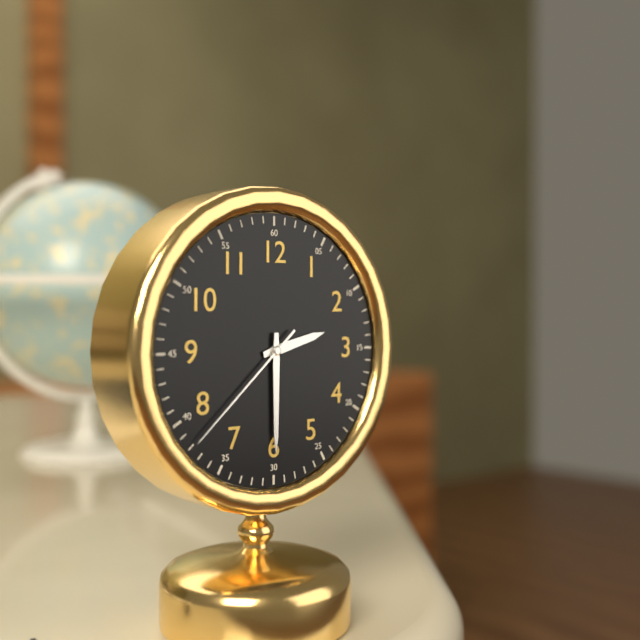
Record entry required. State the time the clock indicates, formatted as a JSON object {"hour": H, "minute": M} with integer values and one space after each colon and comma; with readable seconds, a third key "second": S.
{"hour": 2, "minute": 30, "second": 38}
